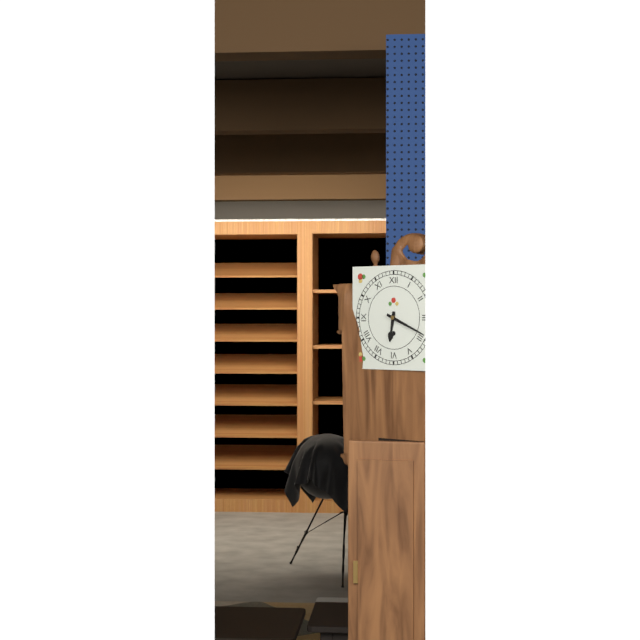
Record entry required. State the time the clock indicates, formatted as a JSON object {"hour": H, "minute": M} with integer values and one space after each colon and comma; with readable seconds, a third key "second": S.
{"hour": 6, "minute": 19}
